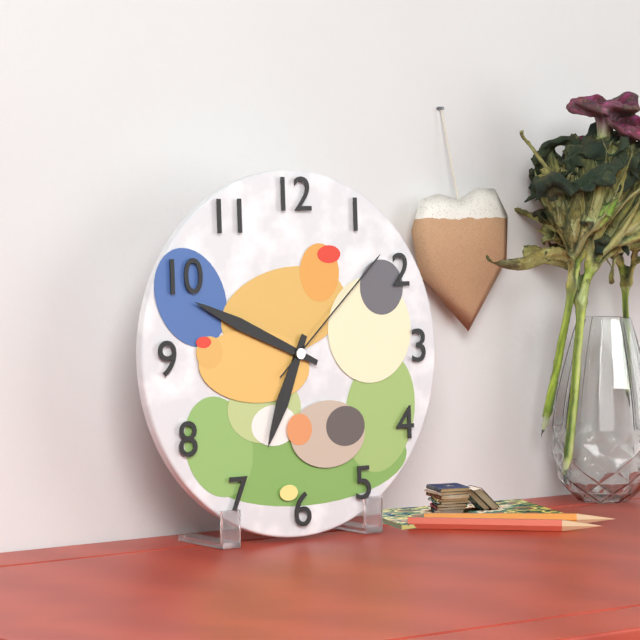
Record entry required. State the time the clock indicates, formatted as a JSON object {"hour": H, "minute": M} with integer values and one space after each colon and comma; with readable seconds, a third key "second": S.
{"hour": 6, "minute": 49, "second": 8}
